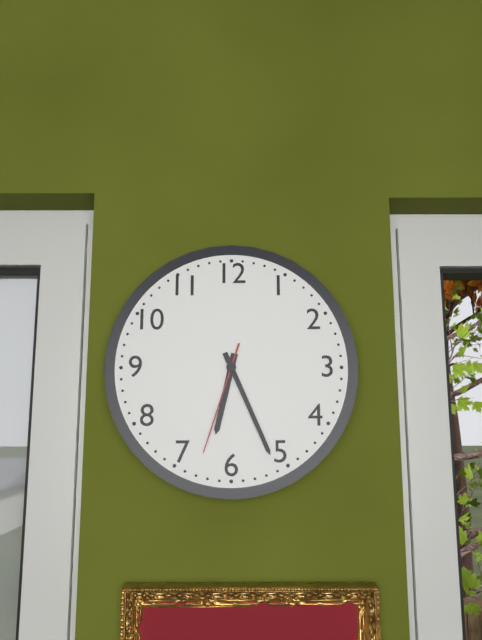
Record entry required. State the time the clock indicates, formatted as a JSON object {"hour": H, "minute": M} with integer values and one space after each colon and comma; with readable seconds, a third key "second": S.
{"hour": 6, "minute": 26, "second": 33}
